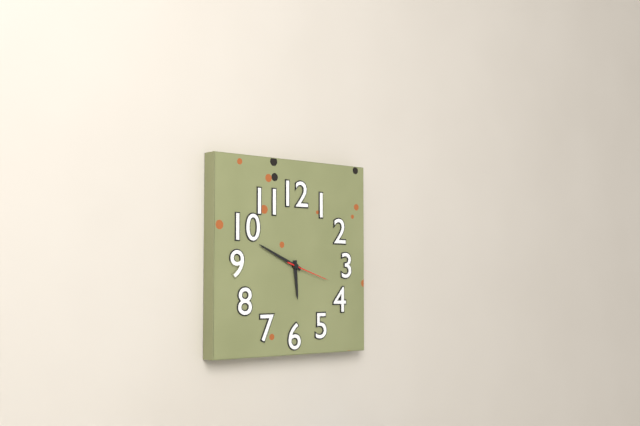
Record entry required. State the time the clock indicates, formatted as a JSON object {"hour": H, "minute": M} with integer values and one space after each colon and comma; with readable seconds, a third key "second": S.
{"hour": 5, "minute": 49}
